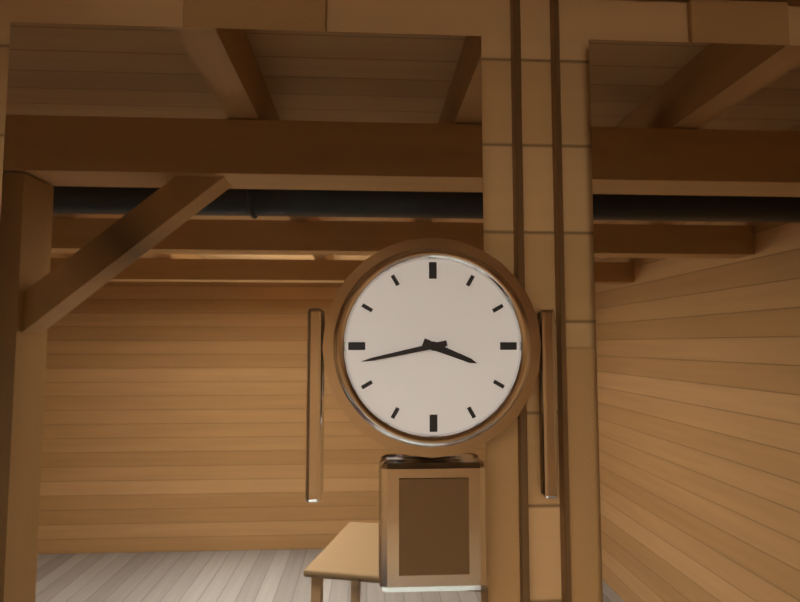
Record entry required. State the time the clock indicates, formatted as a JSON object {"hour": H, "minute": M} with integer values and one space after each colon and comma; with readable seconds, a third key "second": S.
{"hour": 3, "minute": 43}
